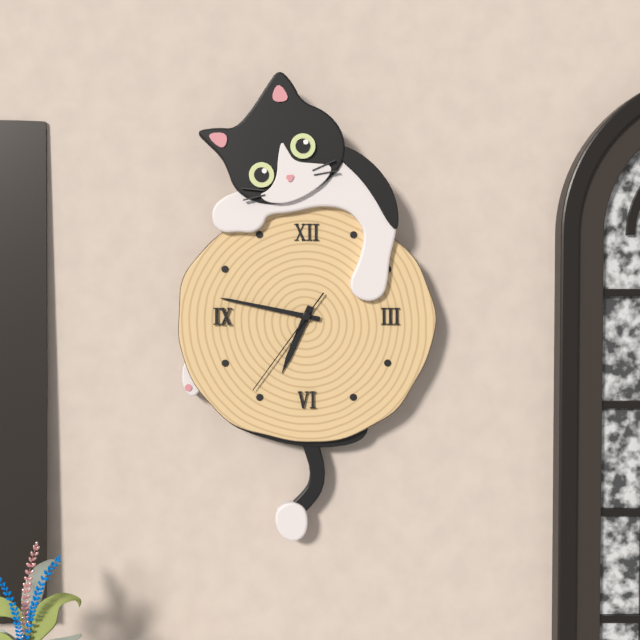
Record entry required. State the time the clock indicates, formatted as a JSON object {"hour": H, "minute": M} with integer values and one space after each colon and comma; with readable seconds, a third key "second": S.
{"hour": 6, "minute": 47, "second": 36}
